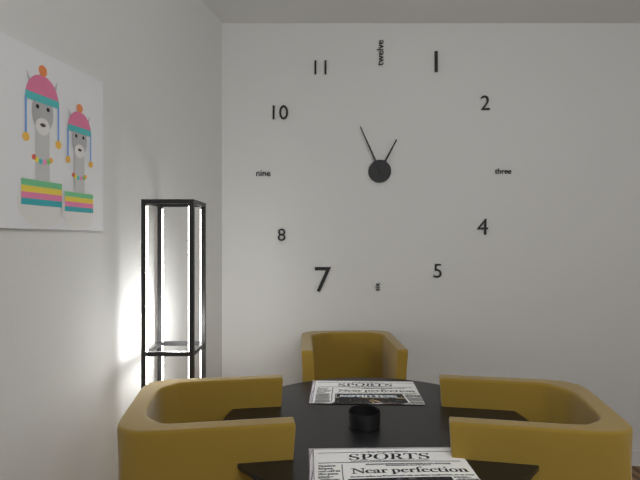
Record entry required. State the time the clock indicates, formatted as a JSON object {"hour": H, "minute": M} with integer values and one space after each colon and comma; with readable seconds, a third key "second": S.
{"hour": 12, "minute": 56}
